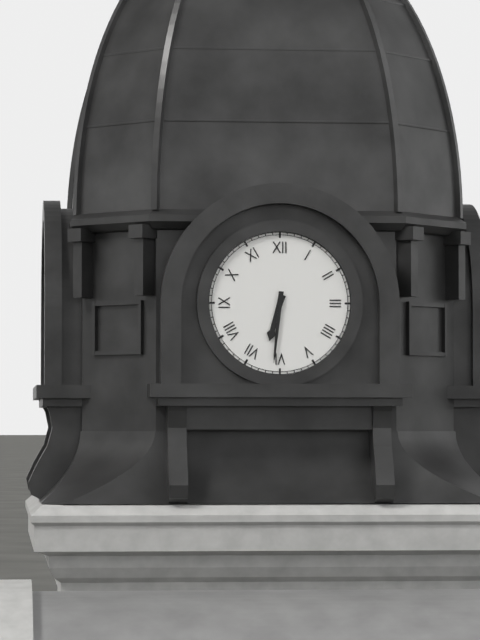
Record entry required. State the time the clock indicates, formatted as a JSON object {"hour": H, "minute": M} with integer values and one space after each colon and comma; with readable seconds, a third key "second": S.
{"hour": 6, "minute": 31}
